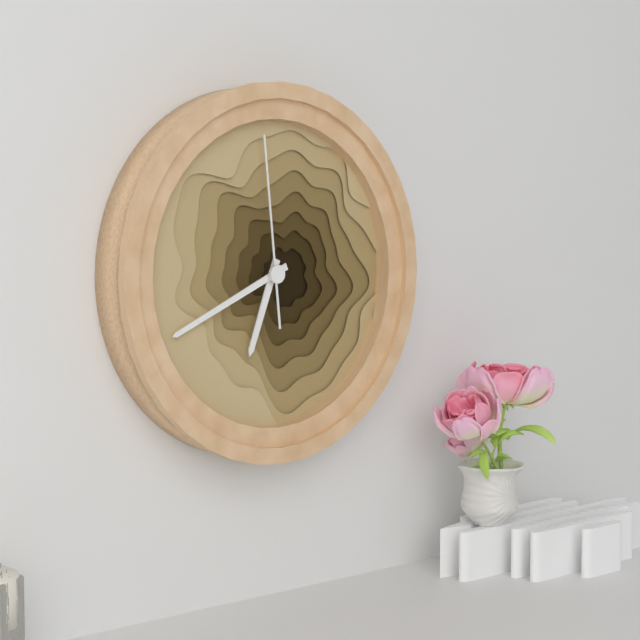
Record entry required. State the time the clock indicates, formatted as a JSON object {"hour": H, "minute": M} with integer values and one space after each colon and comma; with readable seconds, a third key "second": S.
{"hour": 6, "minute": 41, "second": 59}
